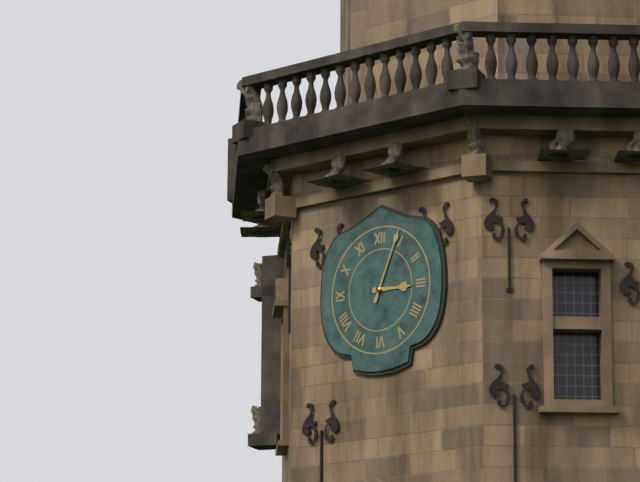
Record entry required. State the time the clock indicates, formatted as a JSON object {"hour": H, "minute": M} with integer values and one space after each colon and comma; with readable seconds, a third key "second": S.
{"hour": 3, "minute": 4}
